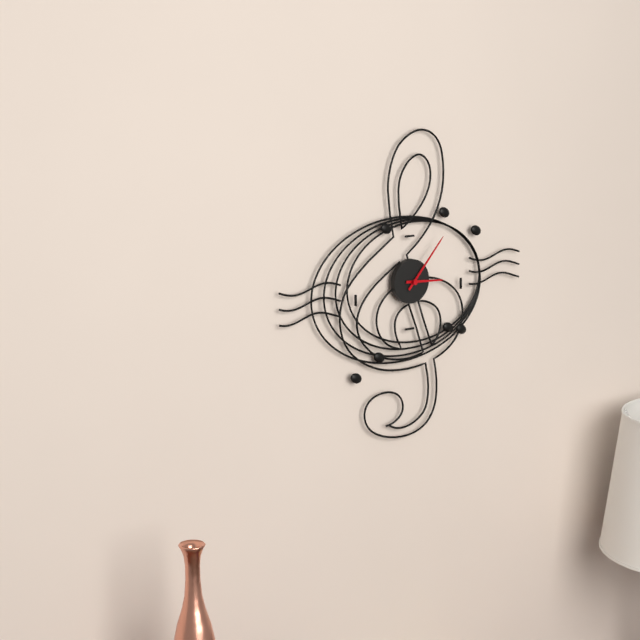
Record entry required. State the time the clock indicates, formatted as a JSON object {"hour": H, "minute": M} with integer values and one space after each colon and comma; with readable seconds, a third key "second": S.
{"hour": 3, "minute": 7}
